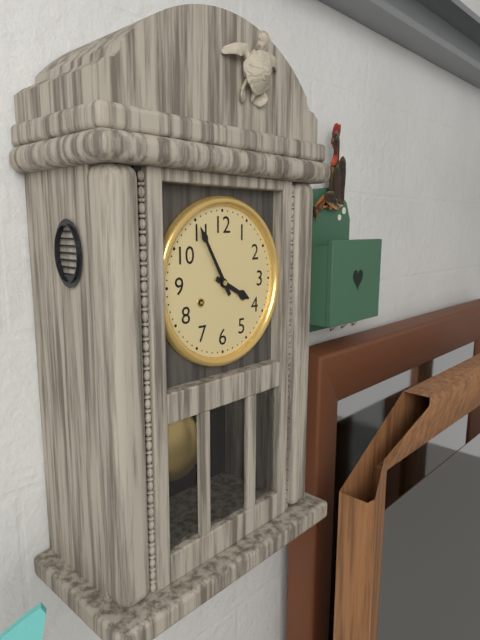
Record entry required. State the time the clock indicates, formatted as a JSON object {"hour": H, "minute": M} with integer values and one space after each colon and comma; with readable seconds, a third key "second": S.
{"hour": 3, "minute": 55}
